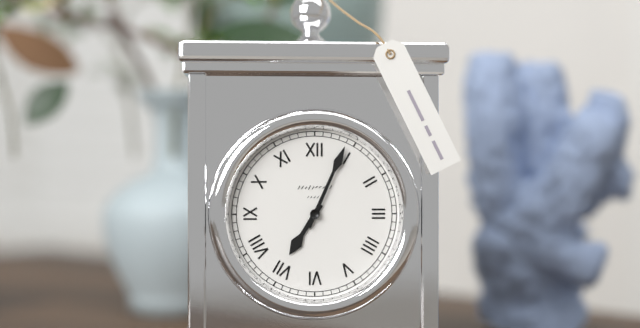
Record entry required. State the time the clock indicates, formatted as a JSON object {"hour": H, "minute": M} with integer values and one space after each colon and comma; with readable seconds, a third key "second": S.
{"hour": 7, "minute": 4}
